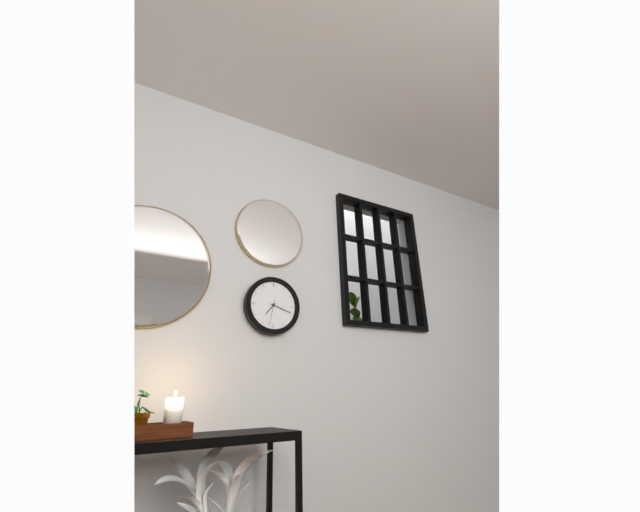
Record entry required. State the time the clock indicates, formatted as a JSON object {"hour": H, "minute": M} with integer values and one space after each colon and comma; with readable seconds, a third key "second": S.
{"hour": 7, "minute": 18}
